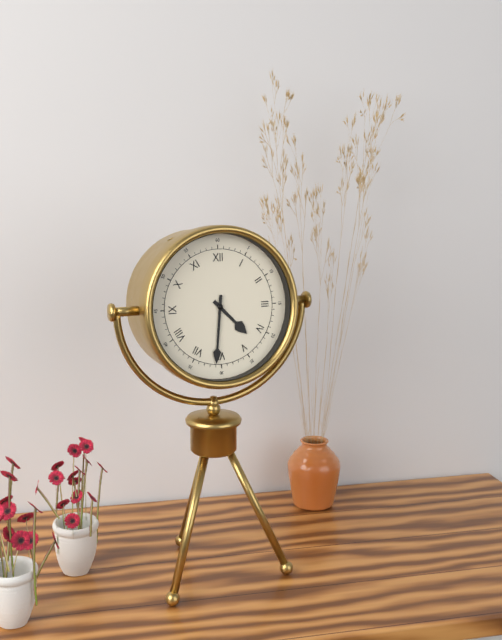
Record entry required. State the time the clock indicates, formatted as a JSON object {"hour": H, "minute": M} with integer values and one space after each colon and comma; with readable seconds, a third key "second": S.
{"hour": 4, "minute": 31}
